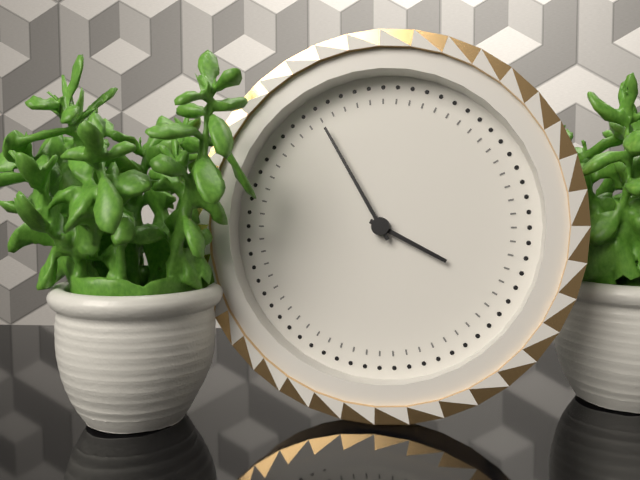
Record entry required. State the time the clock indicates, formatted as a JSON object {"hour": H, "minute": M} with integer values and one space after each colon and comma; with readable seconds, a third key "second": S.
{"hour": 3, "minute": 55}
